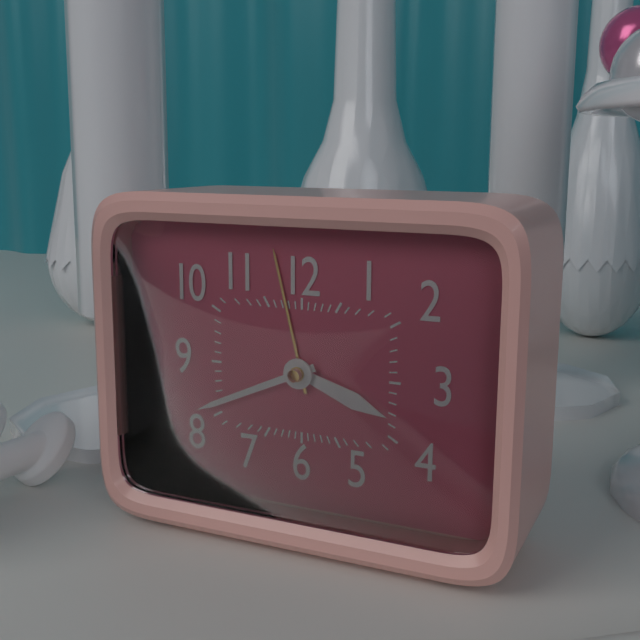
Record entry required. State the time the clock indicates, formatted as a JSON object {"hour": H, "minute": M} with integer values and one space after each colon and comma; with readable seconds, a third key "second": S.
{"hour": 3, "minute": 41}
